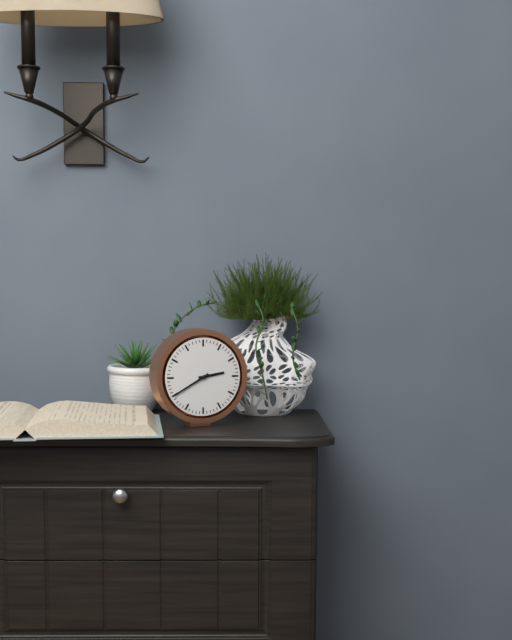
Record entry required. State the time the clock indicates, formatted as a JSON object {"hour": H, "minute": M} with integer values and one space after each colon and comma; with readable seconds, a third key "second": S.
{"hour": 2, "minute": 40}
